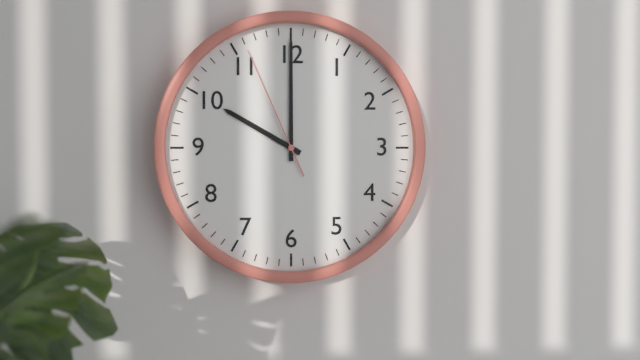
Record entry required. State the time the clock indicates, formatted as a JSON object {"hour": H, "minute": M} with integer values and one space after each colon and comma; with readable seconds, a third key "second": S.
{"hour": 10, "minute": 0, "second": 56}
